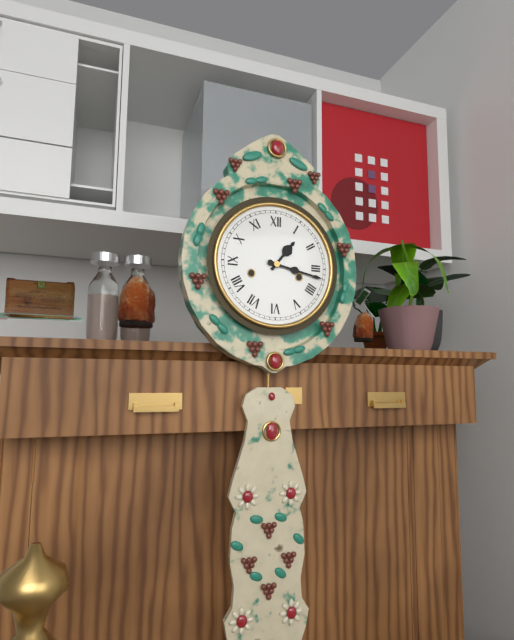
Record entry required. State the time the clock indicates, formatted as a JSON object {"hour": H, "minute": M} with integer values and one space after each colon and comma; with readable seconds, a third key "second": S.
{"hour": 1, "minute": 17}
